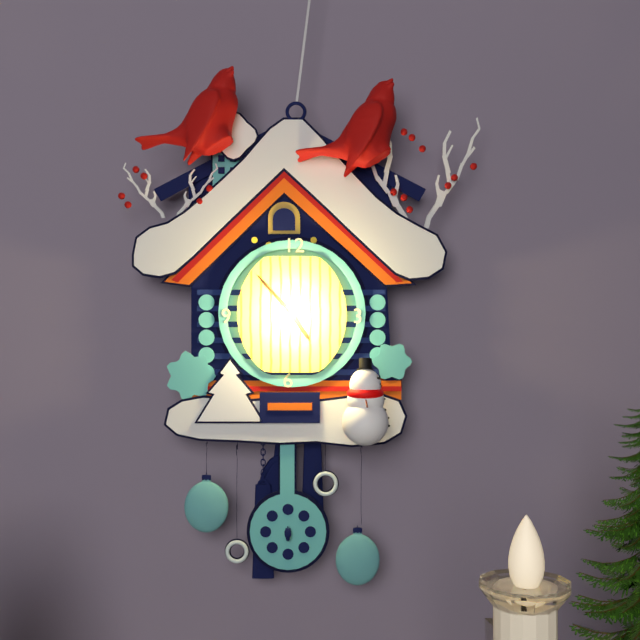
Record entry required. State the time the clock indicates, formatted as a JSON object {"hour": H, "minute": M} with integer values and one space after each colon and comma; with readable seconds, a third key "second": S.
{"hour": 4, "minute": 53}
